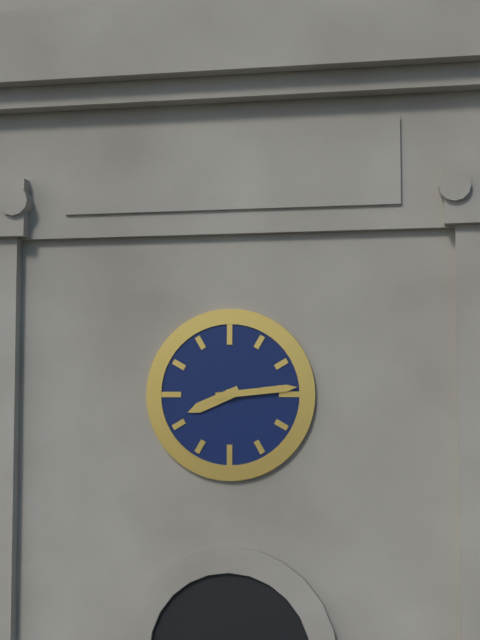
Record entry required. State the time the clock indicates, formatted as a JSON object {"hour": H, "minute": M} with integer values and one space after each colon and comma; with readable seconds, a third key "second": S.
{"hour": 8, "minute": 14}
